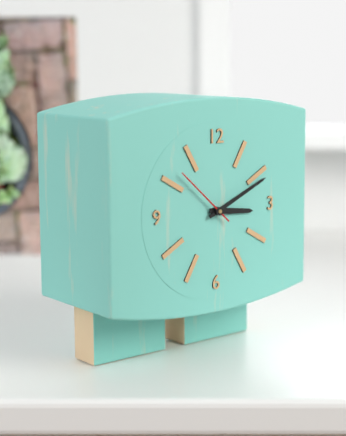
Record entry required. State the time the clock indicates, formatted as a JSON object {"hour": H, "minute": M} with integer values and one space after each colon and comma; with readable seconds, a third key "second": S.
{"hour": 3, "minute": 11, "second": 52}
